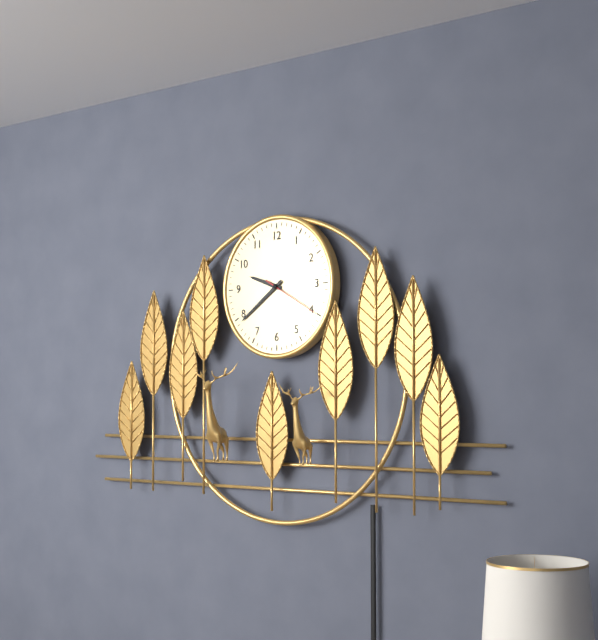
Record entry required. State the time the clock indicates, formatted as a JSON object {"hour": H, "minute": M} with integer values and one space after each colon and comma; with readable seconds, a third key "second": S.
{"hour": 9, "minute": 39, "second": 20}
